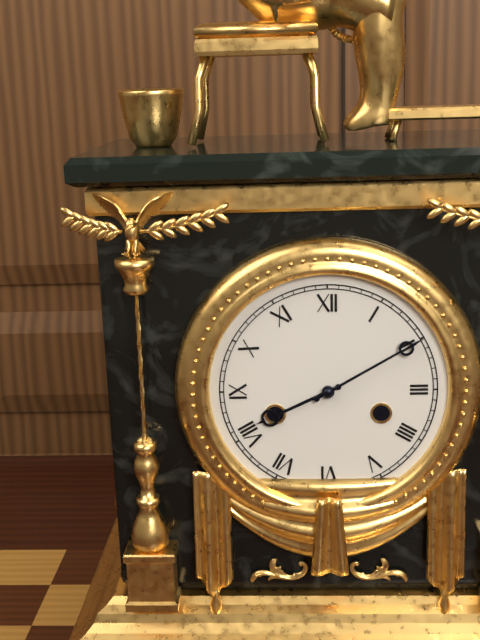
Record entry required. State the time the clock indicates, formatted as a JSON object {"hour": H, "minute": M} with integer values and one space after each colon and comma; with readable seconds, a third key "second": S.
{"hour": 8, "minute": 10}
